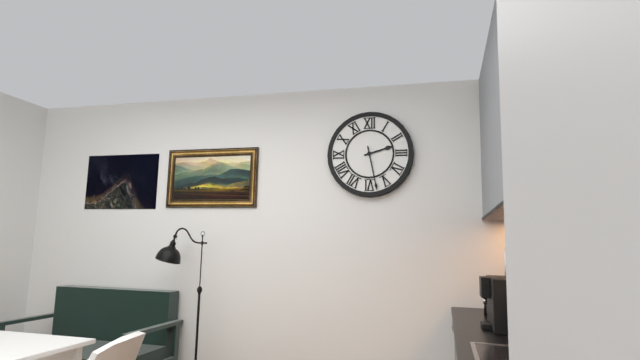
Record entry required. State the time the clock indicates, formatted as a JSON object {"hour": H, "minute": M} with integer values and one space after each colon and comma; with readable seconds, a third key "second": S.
{"hour": 2, "minute": 28}
